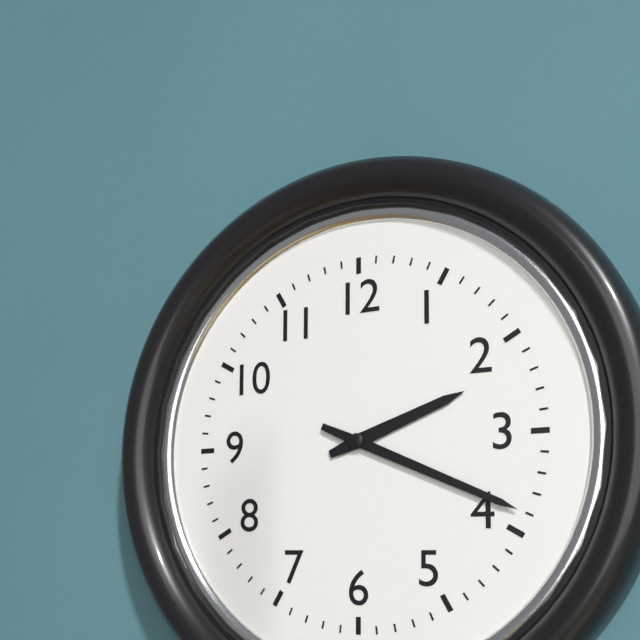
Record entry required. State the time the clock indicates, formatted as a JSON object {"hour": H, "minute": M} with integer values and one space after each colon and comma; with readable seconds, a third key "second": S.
{"hour": 2, "minute": 19}
